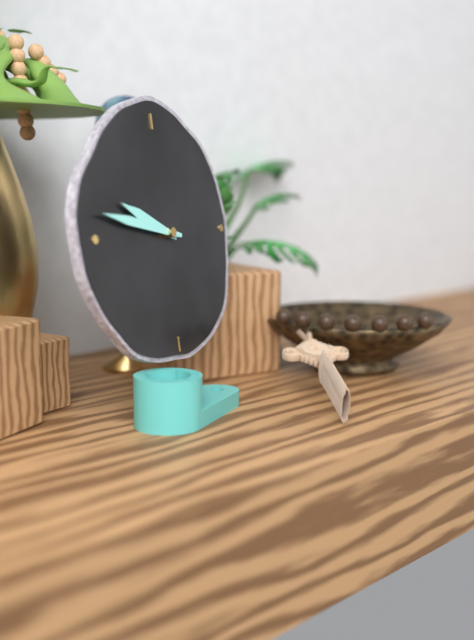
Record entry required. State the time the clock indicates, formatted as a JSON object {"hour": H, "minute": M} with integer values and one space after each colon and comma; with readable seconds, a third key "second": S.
{"hour": 9, "minute": 47}
